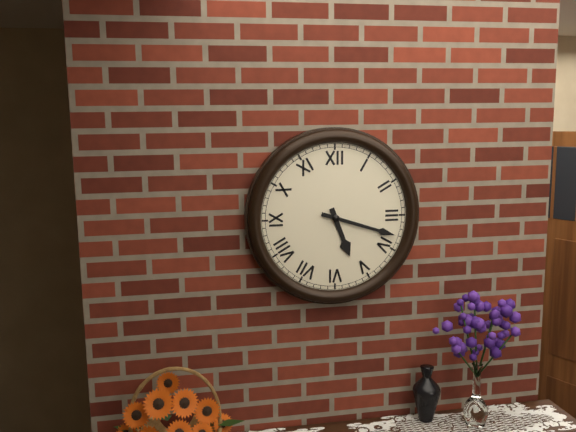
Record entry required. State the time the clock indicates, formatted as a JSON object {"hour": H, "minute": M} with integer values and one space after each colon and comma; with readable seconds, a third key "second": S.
{"hour": 5, "minute": 18}
